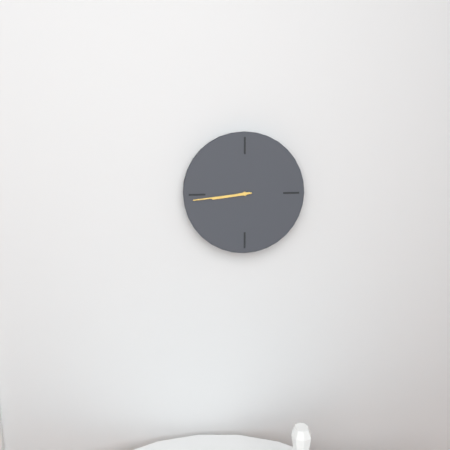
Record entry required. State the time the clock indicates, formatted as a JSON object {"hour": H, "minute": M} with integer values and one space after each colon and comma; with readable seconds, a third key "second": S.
{"hour": 8, "minute": 44}
